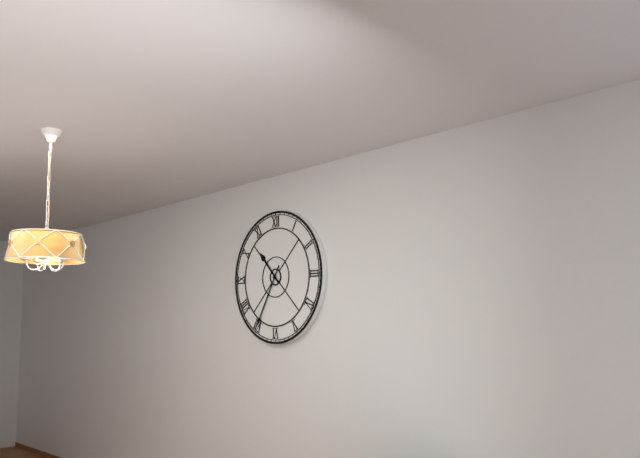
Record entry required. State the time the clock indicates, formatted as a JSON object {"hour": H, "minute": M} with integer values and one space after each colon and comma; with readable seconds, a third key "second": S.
{"hour": 10, "minute": 35}
